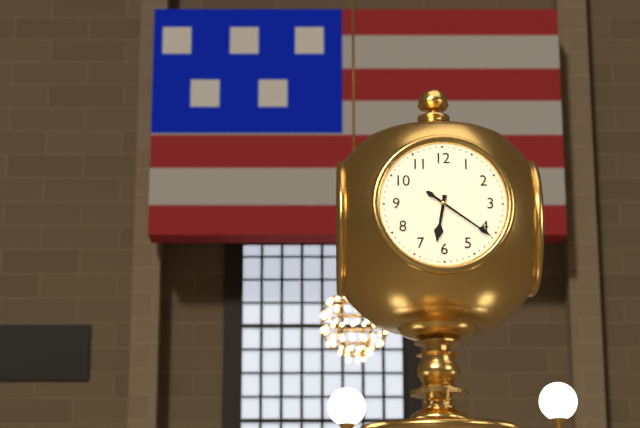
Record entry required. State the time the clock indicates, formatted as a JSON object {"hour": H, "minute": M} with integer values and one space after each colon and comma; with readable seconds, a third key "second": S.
{"hour": 6, "minute": 21}
